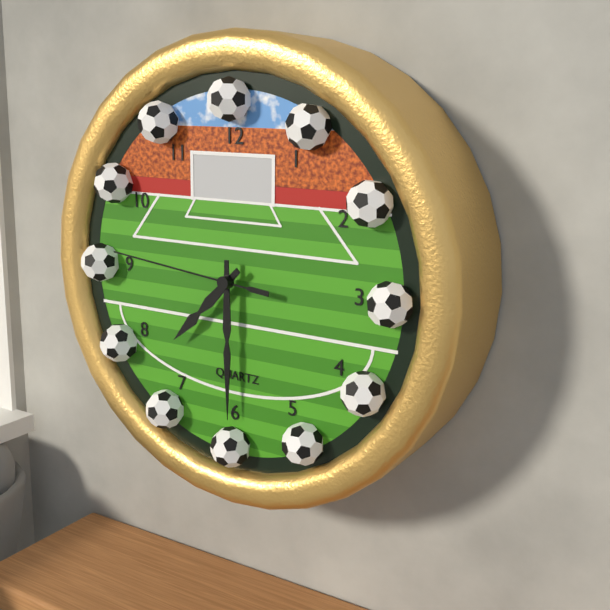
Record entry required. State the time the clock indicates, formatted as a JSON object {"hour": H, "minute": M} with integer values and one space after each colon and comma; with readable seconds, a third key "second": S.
{"hour": 7, "minute": 30, "second": 46}
